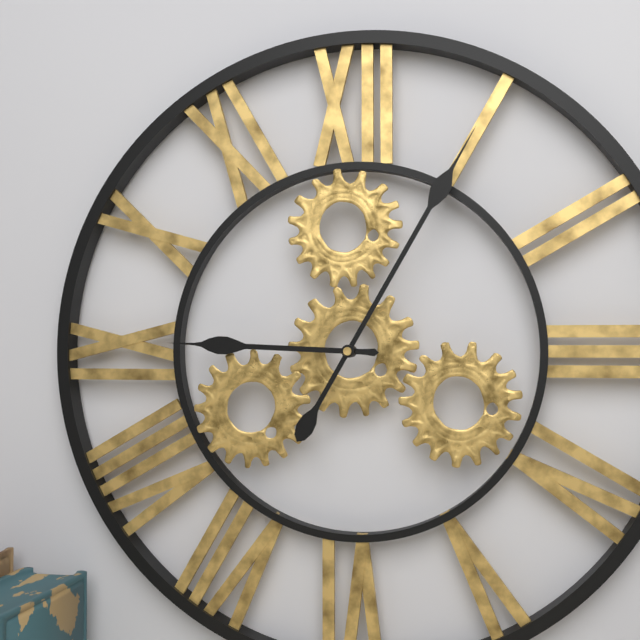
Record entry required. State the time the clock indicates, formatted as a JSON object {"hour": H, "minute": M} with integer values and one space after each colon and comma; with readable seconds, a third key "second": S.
{"hour": 9, "minute": 5}
